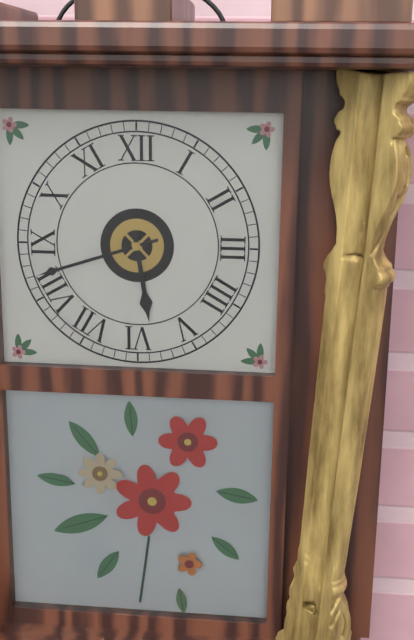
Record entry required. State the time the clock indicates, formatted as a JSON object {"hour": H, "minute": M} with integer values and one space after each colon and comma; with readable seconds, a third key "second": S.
{"hour": 5, "minute": 42}
